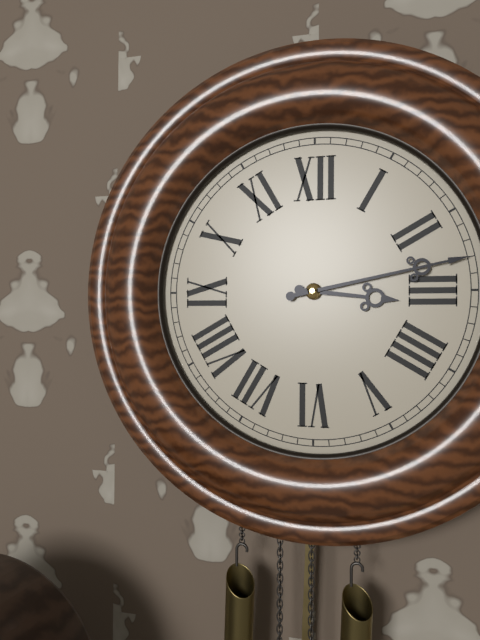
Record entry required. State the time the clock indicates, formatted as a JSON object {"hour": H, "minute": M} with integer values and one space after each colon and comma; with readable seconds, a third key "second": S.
{"hour": 3, "minute": 13}
